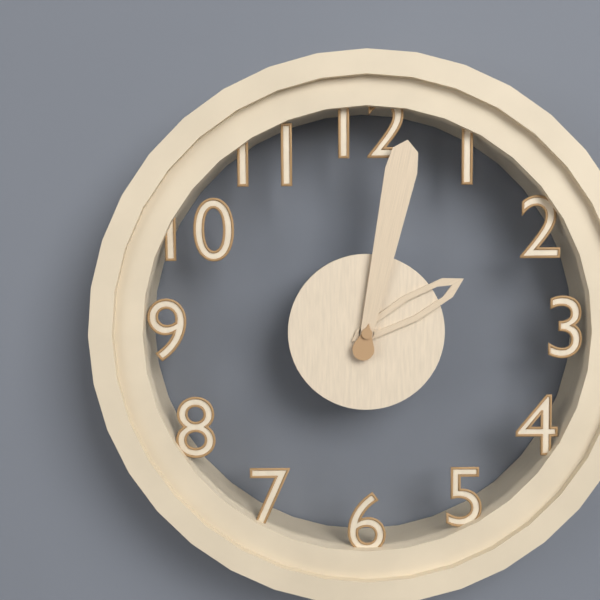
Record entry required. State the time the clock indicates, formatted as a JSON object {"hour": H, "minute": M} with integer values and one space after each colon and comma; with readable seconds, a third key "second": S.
{"hour": 2, "minute": 2}
